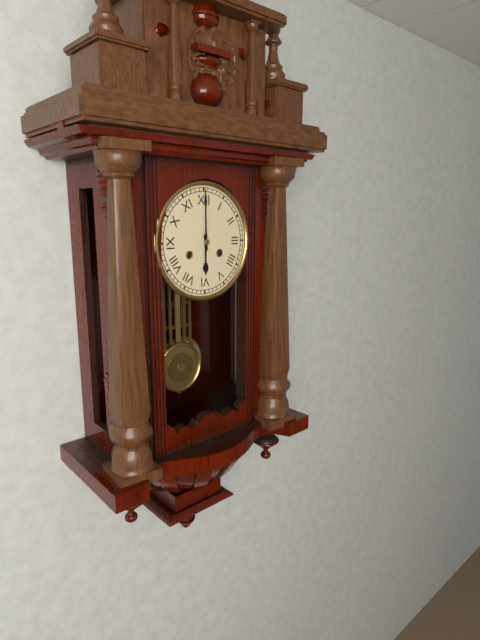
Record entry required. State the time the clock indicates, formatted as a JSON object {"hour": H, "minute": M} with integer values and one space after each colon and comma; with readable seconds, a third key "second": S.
{"hour": 6, "minute": 0}
